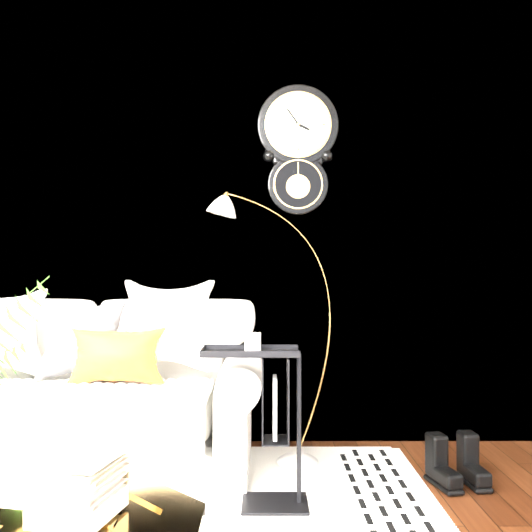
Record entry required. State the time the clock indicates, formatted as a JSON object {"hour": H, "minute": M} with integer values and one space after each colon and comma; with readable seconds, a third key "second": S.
{"hour": 3, "minute": 54}
